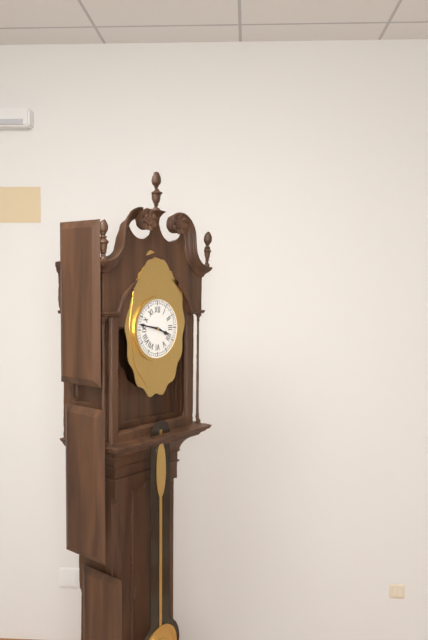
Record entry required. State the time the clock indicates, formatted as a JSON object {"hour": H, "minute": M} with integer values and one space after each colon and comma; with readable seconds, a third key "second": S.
{"hour": 3, "minute": 47}
